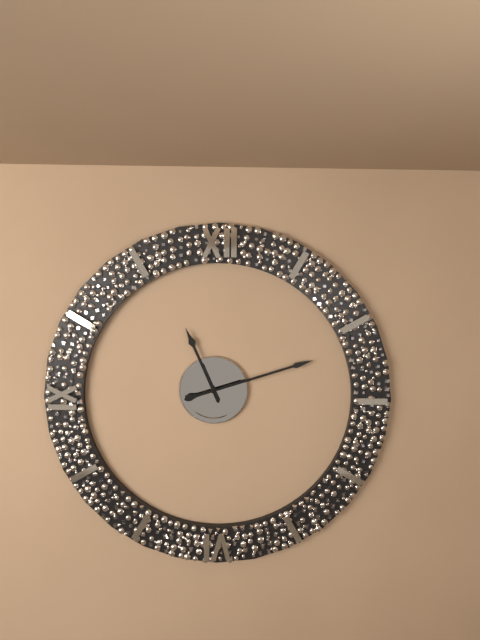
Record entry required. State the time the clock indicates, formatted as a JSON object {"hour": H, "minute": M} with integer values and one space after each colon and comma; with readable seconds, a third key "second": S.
{"hour": 11, "minute": 12}
